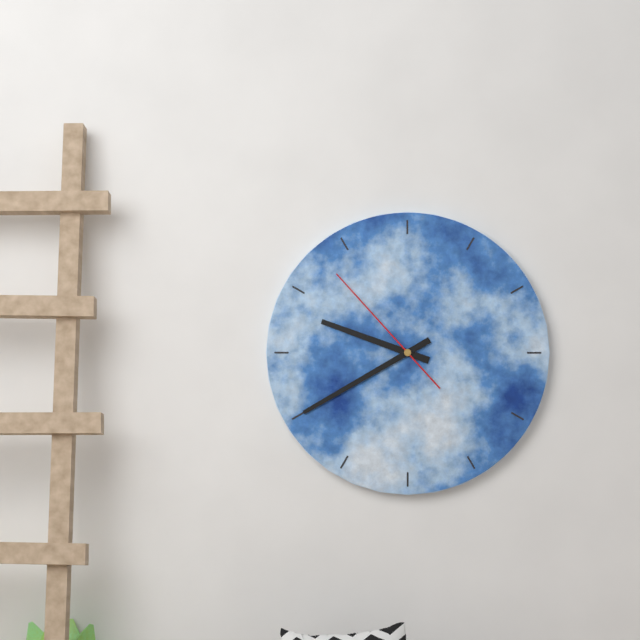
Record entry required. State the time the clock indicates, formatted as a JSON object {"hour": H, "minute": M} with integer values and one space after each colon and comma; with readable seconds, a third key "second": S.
{"hour": 9, "minute": 40, "second": 53}
